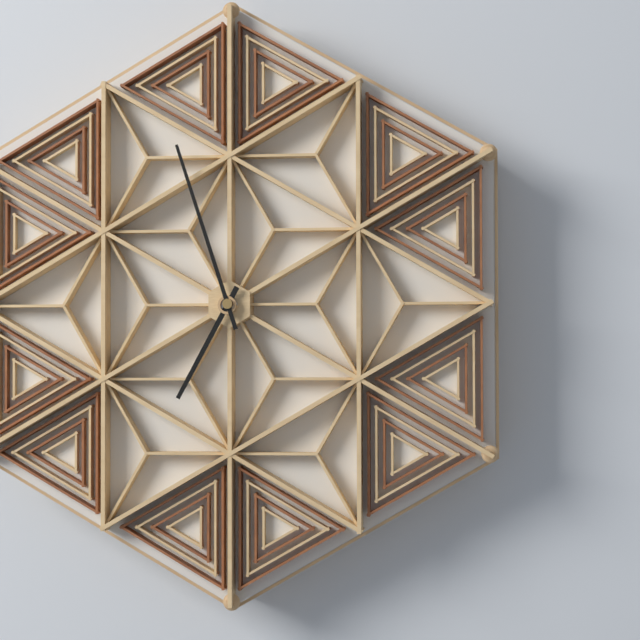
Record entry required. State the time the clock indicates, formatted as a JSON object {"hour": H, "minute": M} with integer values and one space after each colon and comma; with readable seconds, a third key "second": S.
{"hour": 6, "minute": 57}
